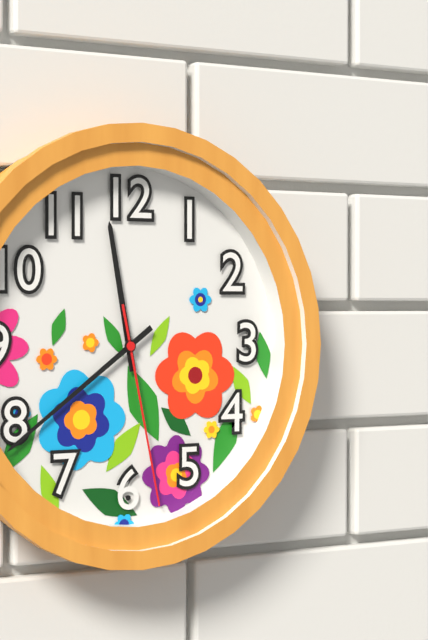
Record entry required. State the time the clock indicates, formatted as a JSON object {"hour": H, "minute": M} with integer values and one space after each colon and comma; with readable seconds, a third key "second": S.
{"hour": 11, "minute": 39, "second": 28}
